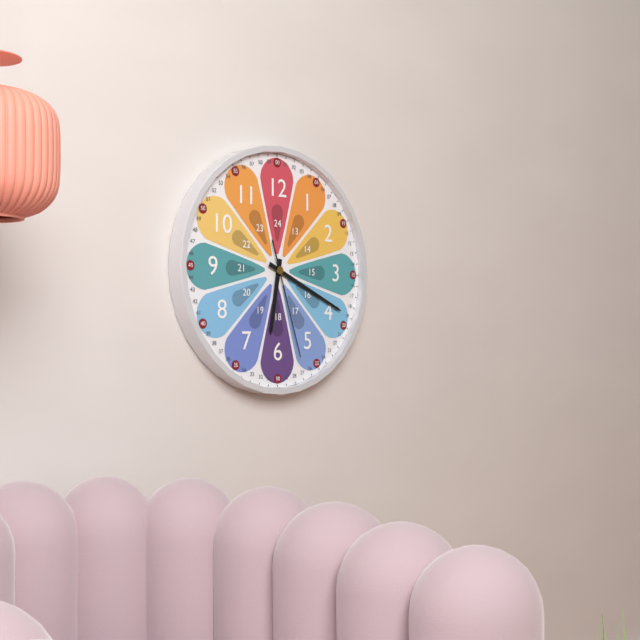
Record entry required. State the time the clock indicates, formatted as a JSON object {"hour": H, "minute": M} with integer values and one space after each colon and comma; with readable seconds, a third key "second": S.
{"hour": 6, "minute": 19, "second": 27}
